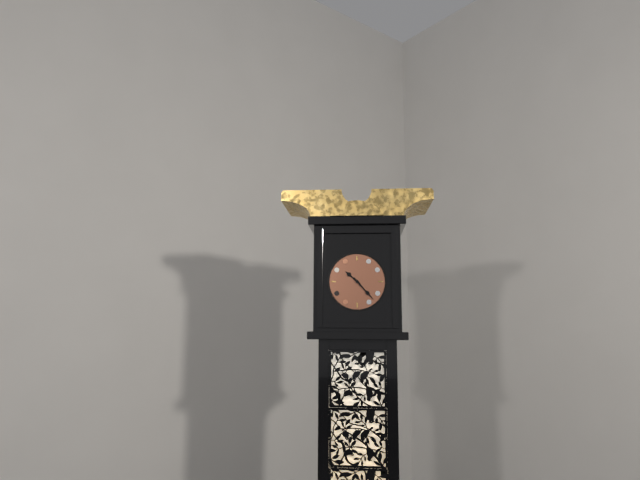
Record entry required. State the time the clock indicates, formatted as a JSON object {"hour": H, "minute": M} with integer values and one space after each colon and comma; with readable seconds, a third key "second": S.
{"hour": 10, "minute": 23}
